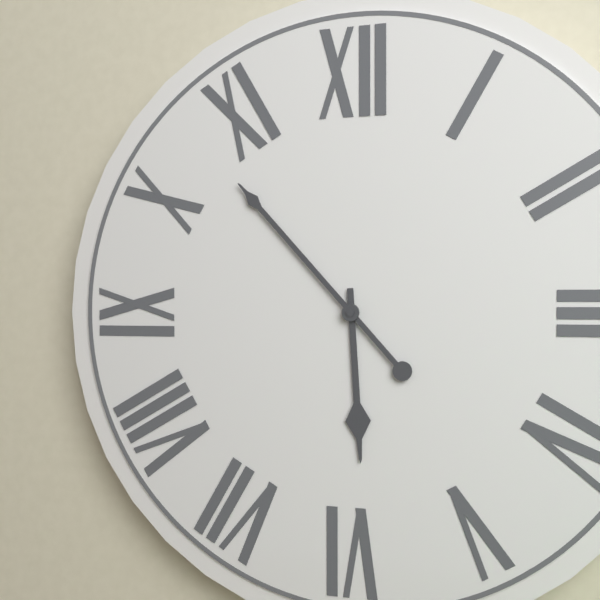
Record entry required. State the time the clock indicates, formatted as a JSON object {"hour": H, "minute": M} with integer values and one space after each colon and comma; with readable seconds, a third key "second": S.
{"hour": 5, "minute": 53}
